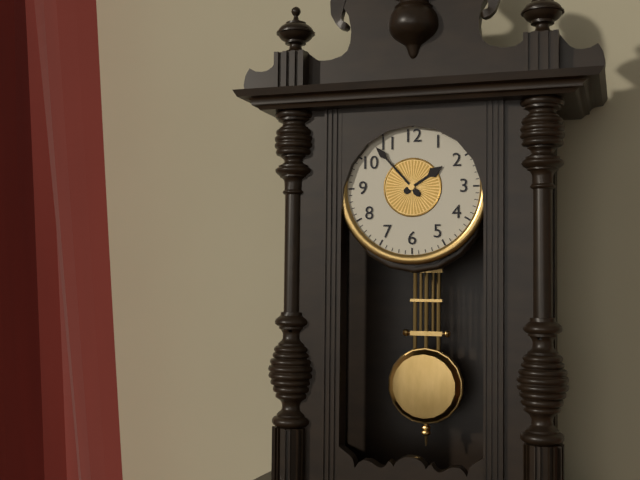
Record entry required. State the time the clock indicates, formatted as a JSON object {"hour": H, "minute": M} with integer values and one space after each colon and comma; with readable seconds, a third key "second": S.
{"hour": 1, "minute": 53}
